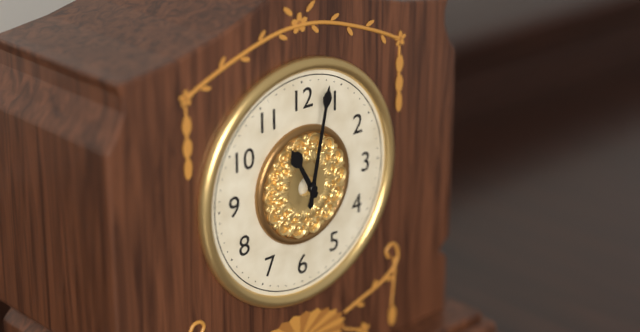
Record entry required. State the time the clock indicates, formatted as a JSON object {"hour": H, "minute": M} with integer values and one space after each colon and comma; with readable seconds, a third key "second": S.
{"hour": 11, "minute": 2}
